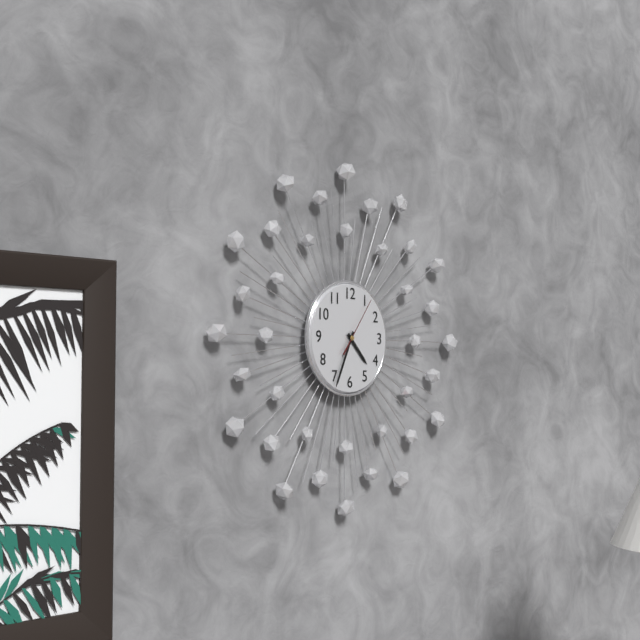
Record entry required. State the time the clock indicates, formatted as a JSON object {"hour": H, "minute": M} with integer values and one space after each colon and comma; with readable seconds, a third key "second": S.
{"hour": 4, "minute": 34, "second": 6}
